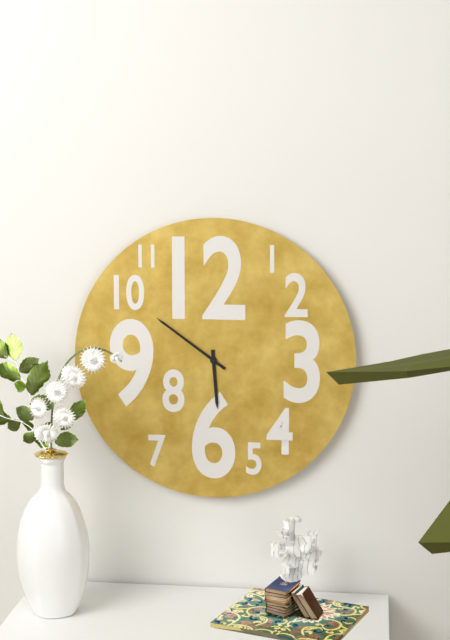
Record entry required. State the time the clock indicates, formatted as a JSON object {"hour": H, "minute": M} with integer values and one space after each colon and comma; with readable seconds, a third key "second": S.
{"hour": 5, "minute": 51}
